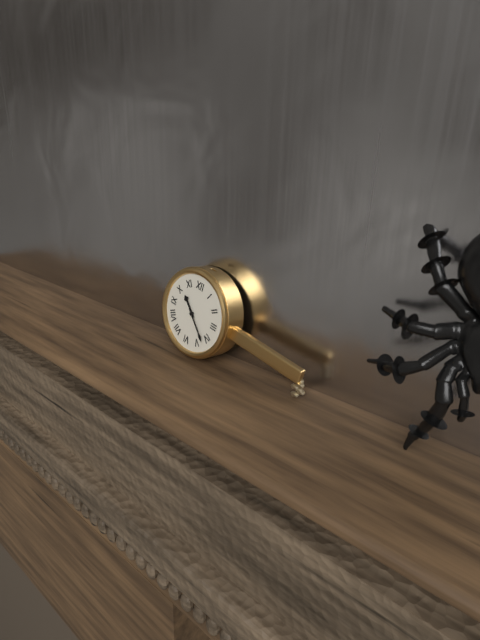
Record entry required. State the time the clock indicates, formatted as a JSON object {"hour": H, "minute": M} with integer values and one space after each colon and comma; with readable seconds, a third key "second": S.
{"hour": 10, "minute": 22}
